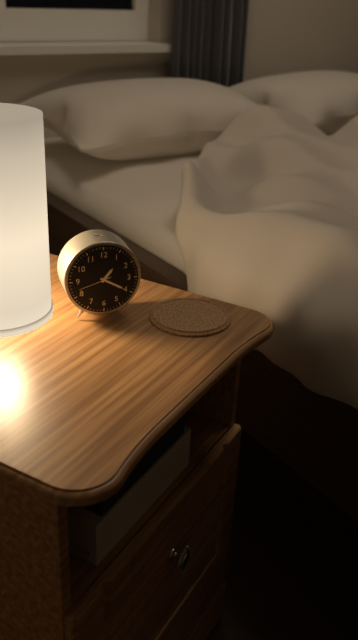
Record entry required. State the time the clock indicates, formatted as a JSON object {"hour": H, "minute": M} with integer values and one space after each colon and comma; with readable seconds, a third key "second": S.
{"hour": 1, "minute": 20}
